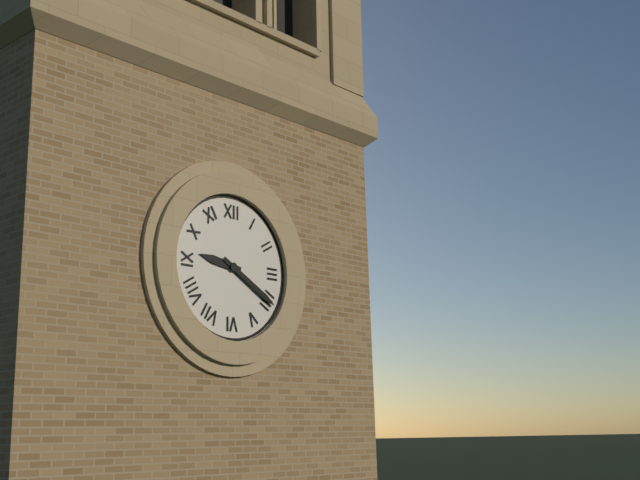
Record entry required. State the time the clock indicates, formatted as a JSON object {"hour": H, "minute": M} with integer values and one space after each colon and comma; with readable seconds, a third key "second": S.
{"hour": 9, "minute": 20}
